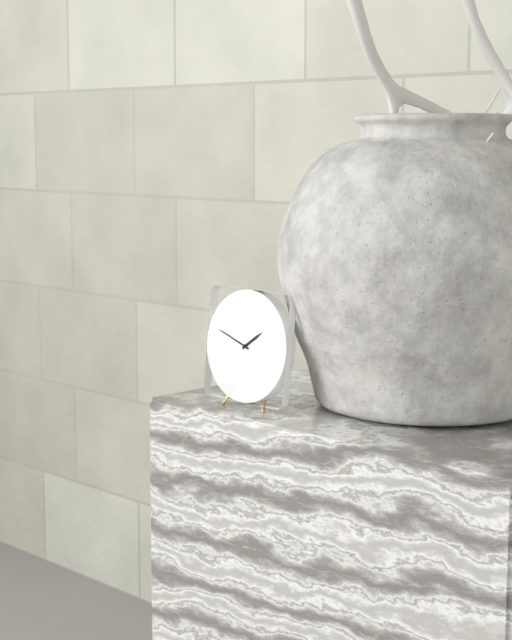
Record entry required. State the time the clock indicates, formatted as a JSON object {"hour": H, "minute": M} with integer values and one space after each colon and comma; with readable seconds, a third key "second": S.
{"hour": 1, "minute": 48}
